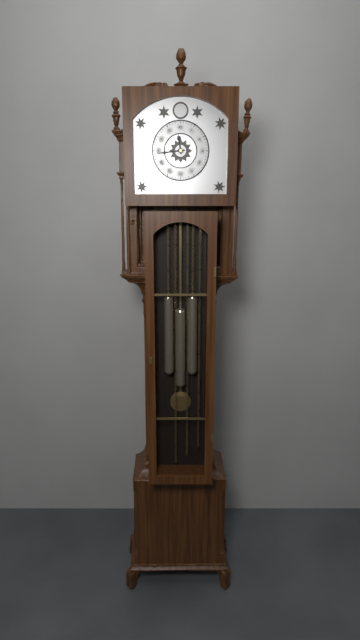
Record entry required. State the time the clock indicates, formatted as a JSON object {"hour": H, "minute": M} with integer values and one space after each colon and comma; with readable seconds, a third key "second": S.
{"hour": 11, "minute": 44}
